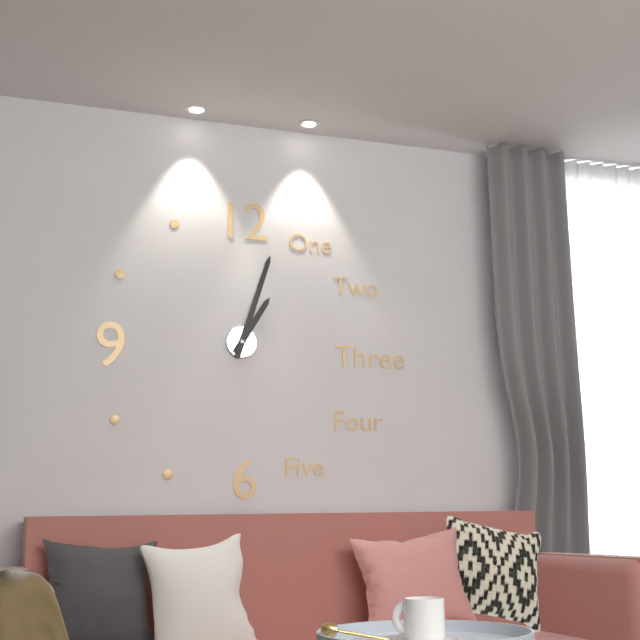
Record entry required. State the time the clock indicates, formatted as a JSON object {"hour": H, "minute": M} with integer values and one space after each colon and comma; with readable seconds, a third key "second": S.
{"hour": 1, "minute": 3}
